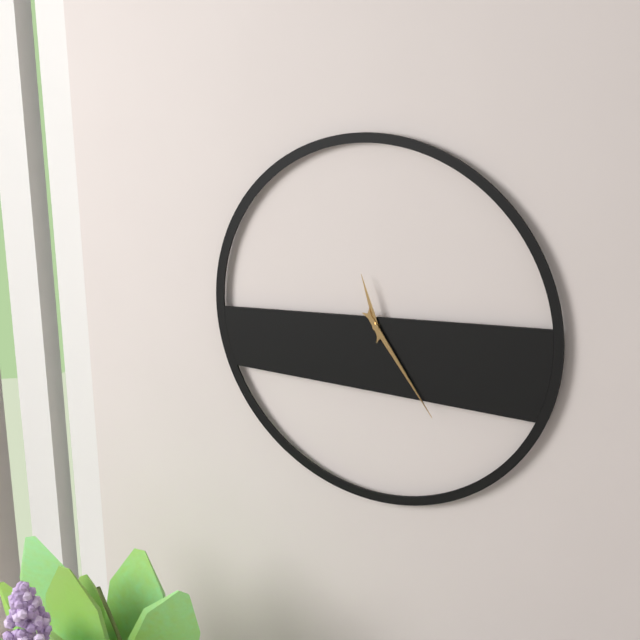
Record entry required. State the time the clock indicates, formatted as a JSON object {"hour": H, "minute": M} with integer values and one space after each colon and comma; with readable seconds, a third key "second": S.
{"hour": 11, "minute": 24}
